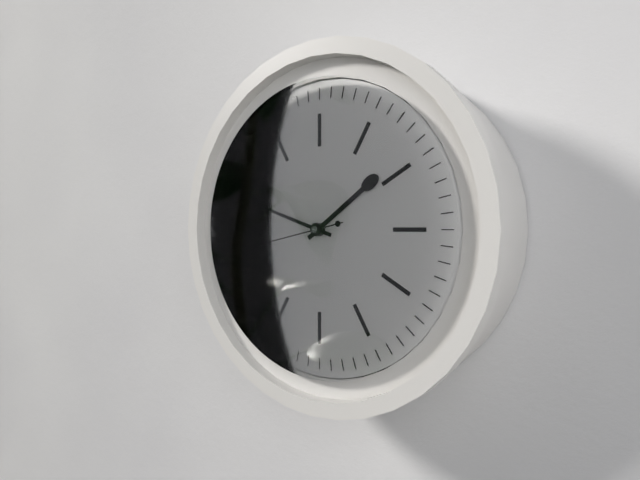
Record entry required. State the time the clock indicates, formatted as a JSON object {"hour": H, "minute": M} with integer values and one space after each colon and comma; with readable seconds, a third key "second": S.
{"hour": 1, "minute": 48, "second": 43}
